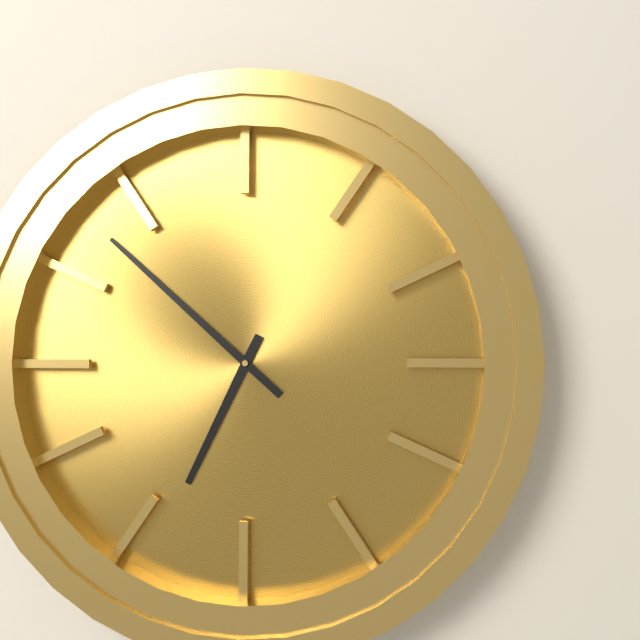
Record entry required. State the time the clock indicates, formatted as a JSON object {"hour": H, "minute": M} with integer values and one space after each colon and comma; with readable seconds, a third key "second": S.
{"hour": 6, "minute": 52}
